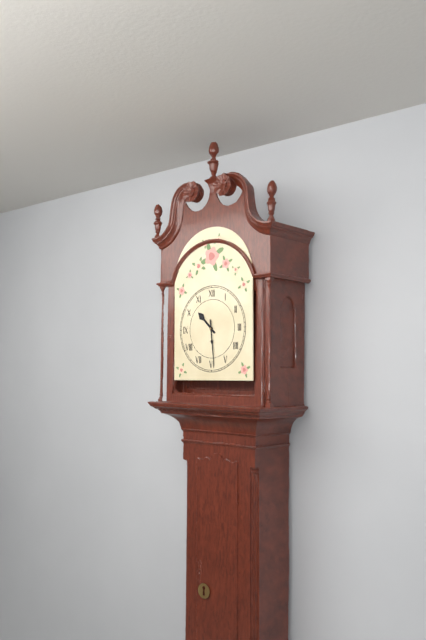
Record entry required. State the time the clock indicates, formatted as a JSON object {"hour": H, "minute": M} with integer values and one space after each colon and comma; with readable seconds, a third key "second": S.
{"hour": 10, "minute": 29}
